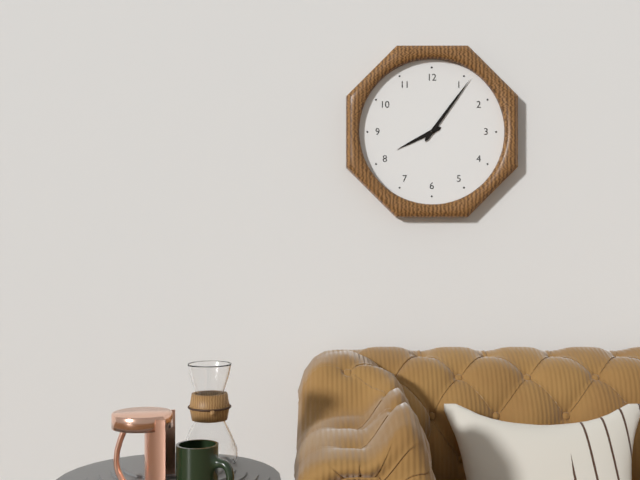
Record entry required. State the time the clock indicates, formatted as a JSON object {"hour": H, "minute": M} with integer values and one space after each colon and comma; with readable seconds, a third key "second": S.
{"hour": 8, "minute": 6}
